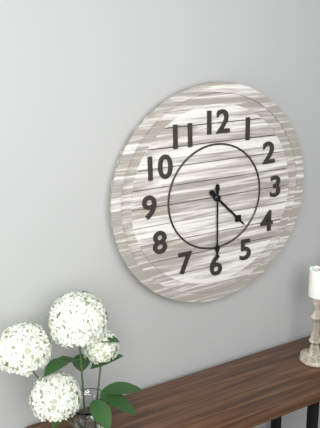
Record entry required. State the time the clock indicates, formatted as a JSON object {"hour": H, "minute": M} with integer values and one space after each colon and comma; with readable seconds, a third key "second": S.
{"hour": 4, "minute": 30}
